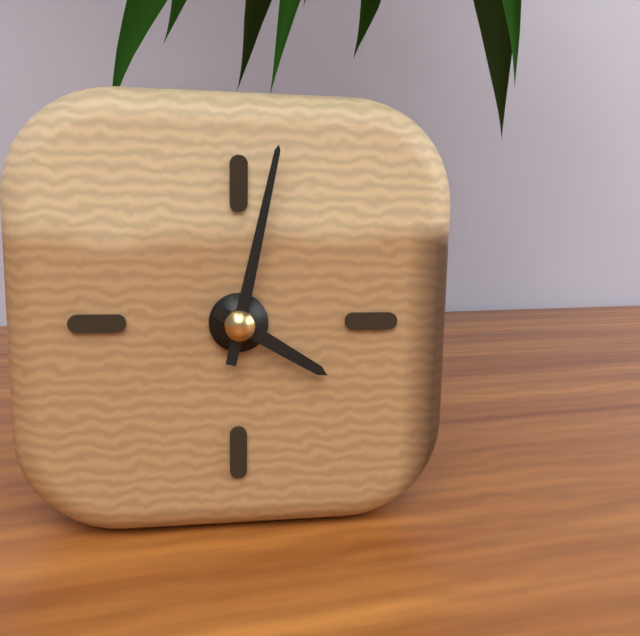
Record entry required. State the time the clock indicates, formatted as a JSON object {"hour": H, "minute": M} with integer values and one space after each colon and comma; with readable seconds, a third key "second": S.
{"hour": 4, "minute": 2}
